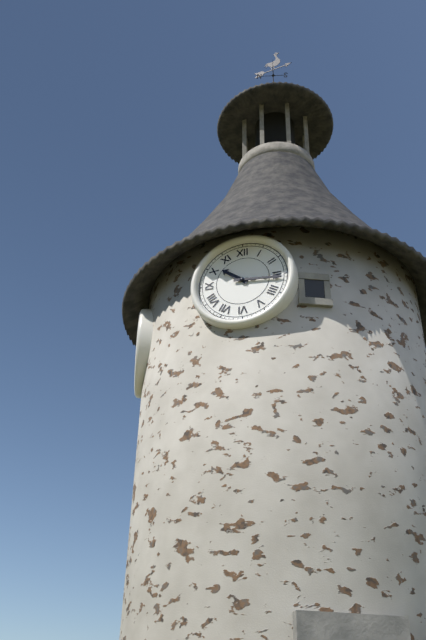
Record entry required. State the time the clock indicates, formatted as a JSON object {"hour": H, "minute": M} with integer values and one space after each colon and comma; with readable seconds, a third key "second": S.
{"hour": 10, "minute": 16}
